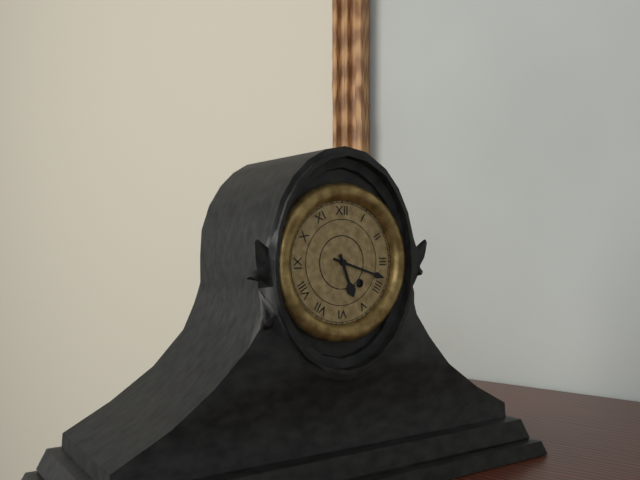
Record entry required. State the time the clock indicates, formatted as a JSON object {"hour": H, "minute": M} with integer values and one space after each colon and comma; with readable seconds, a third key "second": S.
{"hour": 5, "minute": 18}
